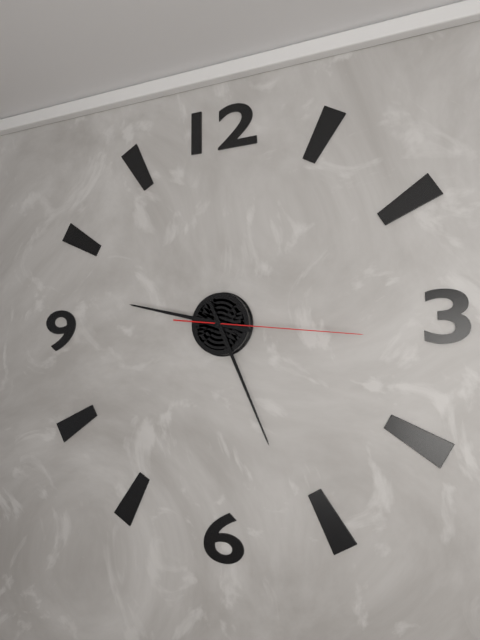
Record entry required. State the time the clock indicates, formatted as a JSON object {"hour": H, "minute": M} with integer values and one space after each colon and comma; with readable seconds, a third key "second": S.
{"hour": 9, "minute": 26, "second": 16}
